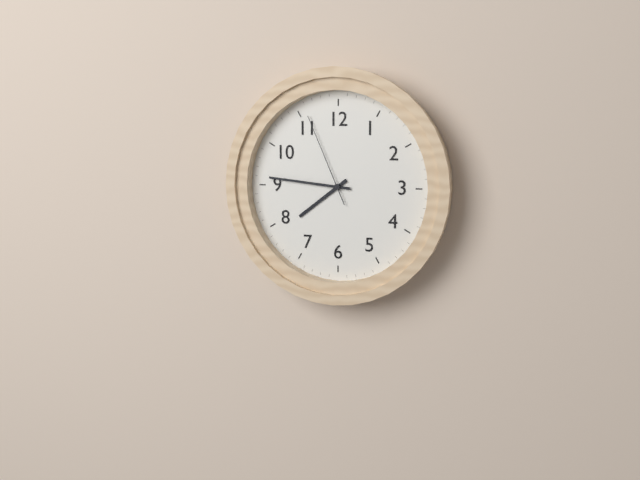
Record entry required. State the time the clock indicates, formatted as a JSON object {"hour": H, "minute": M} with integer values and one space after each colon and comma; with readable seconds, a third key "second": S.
{"hour": 7, "minute": 46, "second": 56}
